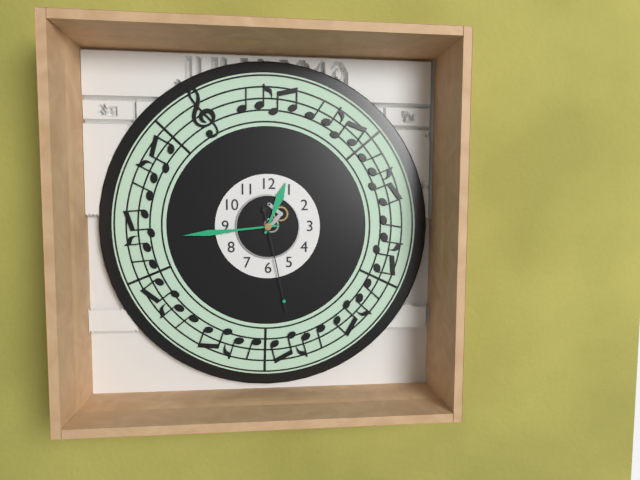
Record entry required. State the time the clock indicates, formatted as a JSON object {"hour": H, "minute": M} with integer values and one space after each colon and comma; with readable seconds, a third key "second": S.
{"hour": 12, "minute": 44, "second": 28}
